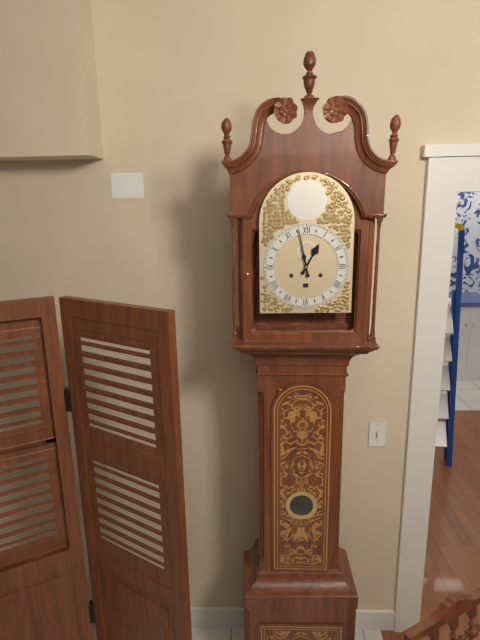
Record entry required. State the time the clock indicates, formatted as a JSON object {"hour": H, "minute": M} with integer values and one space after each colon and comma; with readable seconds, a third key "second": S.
{"hour": 12, "minute": 58}
